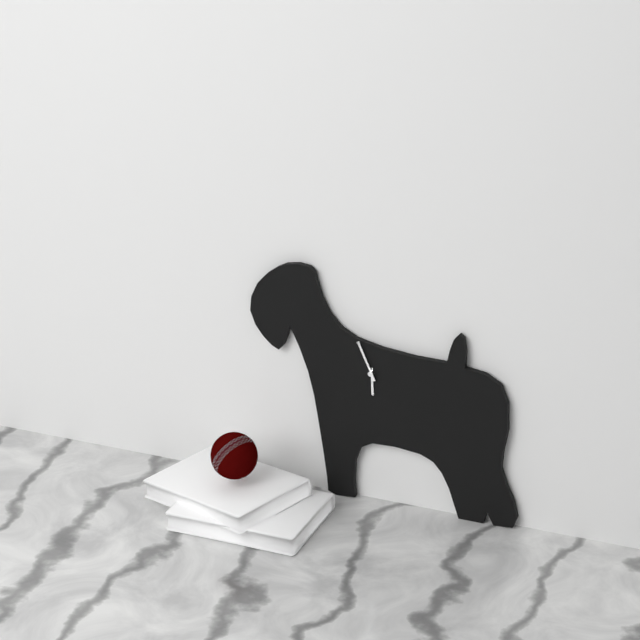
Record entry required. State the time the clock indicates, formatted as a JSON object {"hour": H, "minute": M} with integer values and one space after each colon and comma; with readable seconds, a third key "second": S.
{"hour": 5, "minute": 56}
